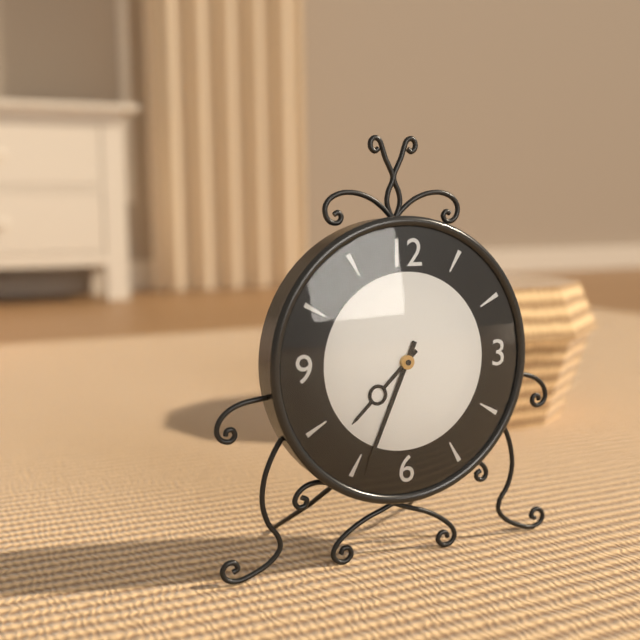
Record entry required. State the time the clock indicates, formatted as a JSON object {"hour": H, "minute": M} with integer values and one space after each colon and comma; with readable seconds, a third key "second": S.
{"hour": 7, "minute": 34}
